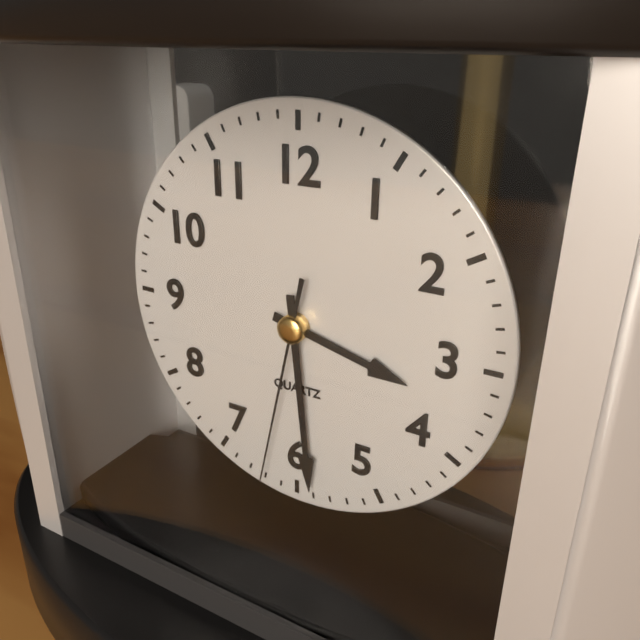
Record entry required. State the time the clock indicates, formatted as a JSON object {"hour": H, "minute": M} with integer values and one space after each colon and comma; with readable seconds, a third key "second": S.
{"hour": 3, "minute": 29, "second": 32}
